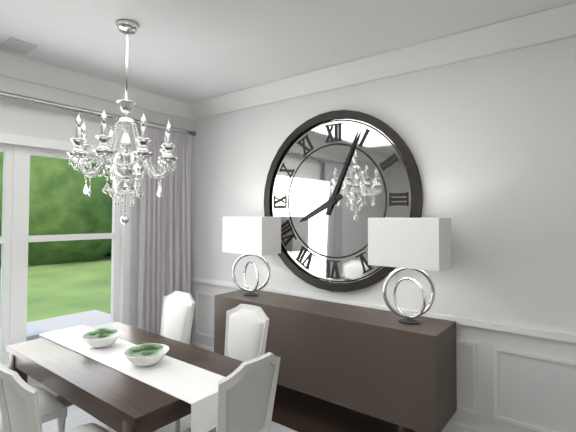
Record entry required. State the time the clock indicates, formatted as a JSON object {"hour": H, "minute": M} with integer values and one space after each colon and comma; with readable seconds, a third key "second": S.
{"hour": 8, "minute": 4}
